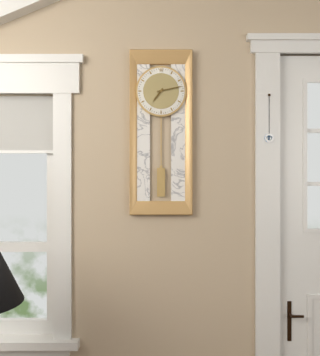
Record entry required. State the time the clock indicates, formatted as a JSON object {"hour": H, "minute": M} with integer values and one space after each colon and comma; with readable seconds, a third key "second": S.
{"hour": 7, "minute": 13}
